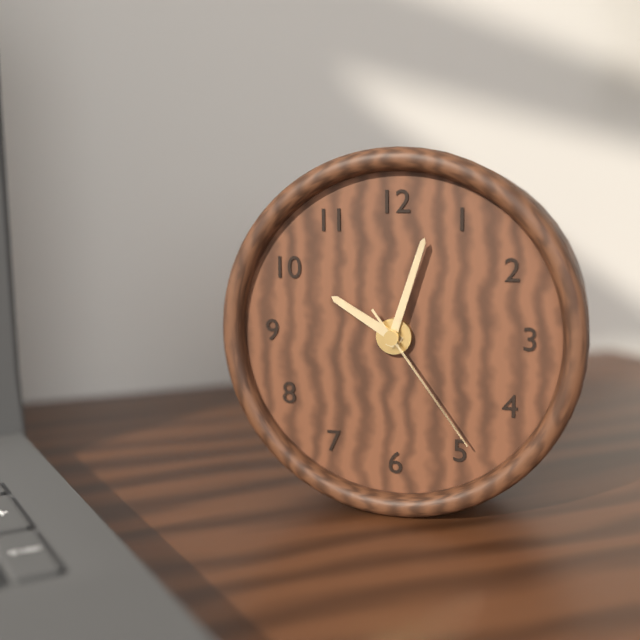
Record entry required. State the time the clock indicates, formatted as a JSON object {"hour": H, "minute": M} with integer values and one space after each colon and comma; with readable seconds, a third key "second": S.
{"hour": 10, "minute": 3, "second": 24}
